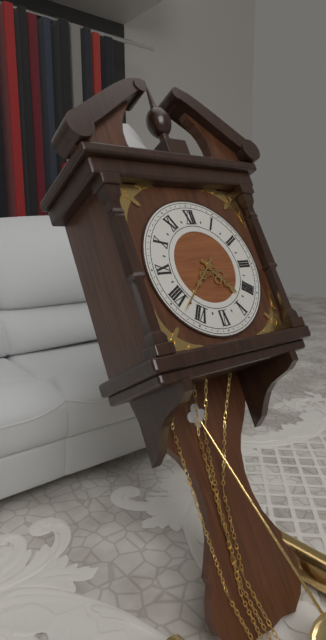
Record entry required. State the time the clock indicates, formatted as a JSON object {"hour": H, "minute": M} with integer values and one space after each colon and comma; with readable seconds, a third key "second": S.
{"hour": 4, "minute": 38}
